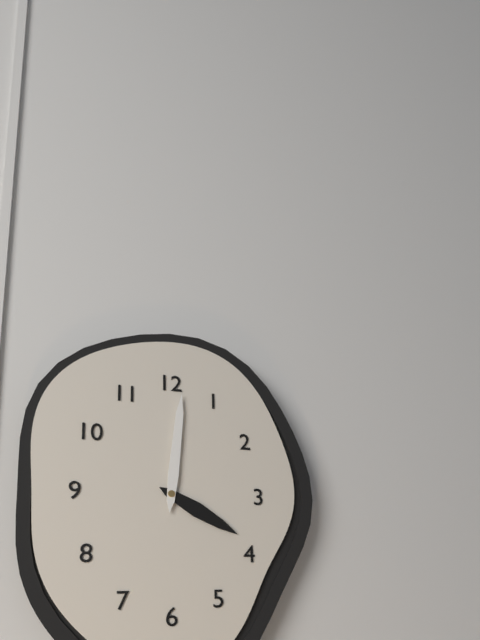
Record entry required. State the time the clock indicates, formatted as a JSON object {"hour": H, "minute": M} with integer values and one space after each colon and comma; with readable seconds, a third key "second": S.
{"hour": 4, "minute": 1}
